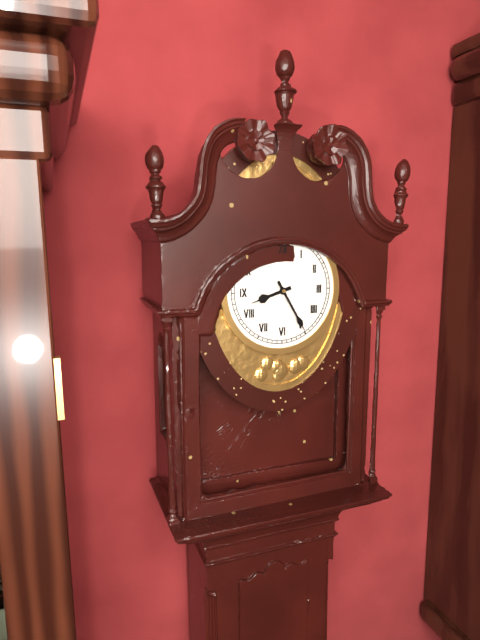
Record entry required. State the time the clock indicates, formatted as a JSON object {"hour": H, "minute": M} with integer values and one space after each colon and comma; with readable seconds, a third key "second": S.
{"hour": 8, "minute": 25}
